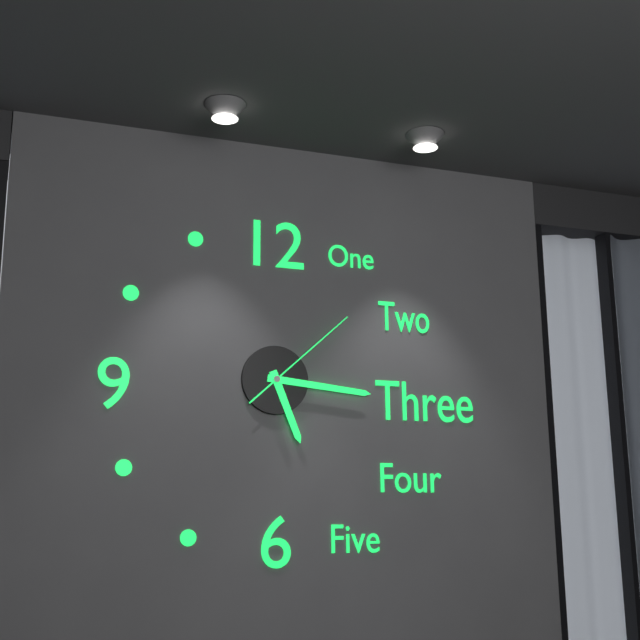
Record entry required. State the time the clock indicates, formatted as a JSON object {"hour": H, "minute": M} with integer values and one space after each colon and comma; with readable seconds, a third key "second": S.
{"hour": 5, "minute": 16, "second": 8}
